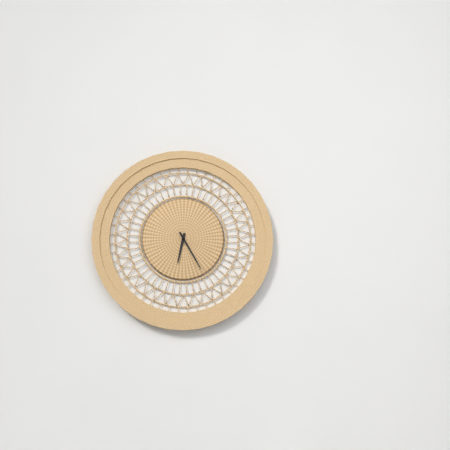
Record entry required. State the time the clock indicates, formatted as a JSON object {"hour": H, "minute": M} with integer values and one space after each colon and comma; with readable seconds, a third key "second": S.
{"hour": 6, "minute": 25}
